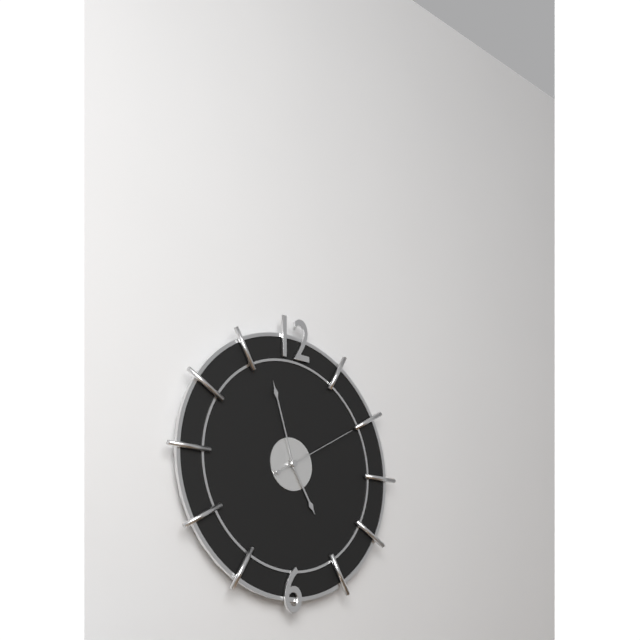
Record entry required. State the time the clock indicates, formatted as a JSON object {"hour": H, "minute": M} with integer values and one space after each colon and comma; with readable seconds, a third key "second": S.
{"hour": 4, "minute": 57, "second": 10}
